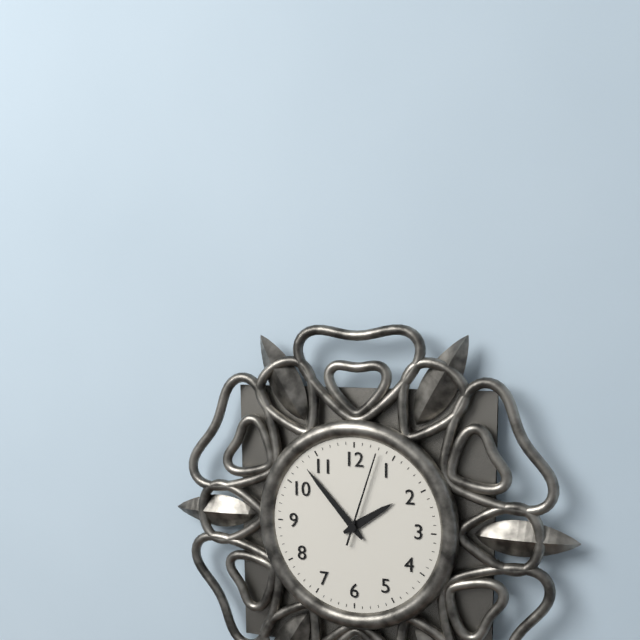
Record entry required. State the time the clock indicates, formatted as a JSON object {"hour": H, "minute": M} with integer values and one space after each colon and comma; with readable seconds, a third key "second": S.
{"hour": 1, "minute": 53, "second": 3}
